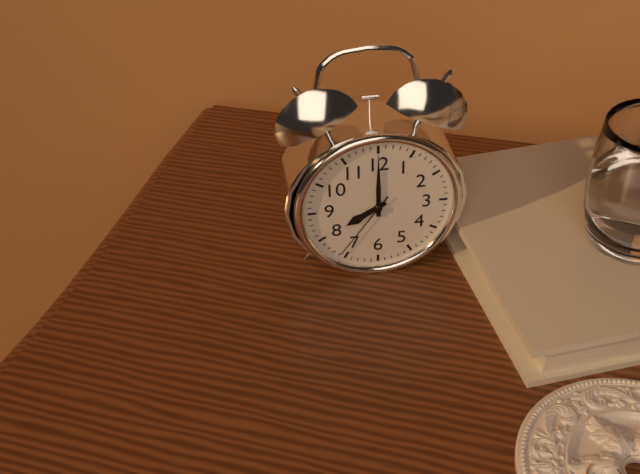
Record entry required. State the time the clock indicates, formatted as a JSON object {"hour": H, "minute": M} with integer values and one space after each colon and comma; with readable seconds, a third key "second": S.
{"hour": 8, "minute": 0, "second": 36}
